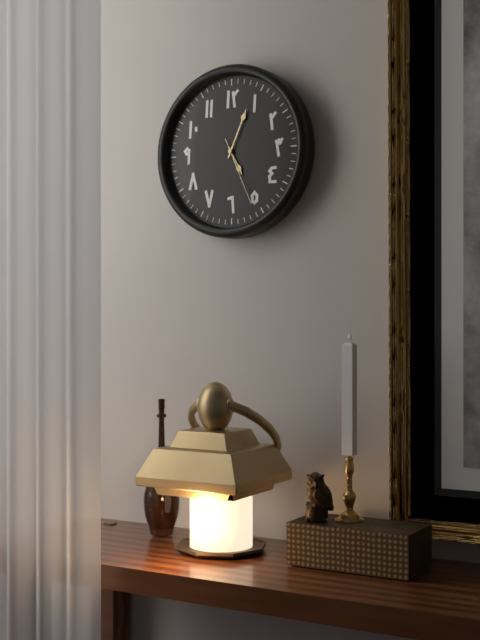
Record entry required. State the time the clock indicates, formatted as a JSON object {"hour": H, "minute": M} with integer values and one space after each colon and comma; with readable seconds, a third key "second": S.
{"hour": 5, "minute": 4, "second": 26}
